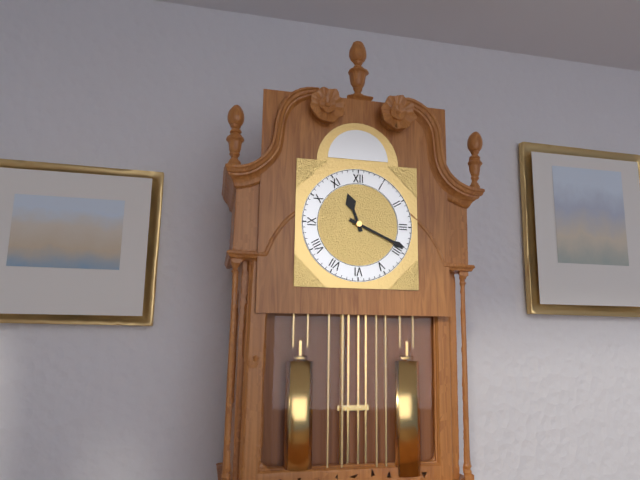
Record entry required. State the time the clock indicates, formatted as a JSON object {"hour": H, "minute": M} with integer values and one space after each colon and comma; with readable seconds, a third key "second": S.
{"hour": 11, "minute": 19}
